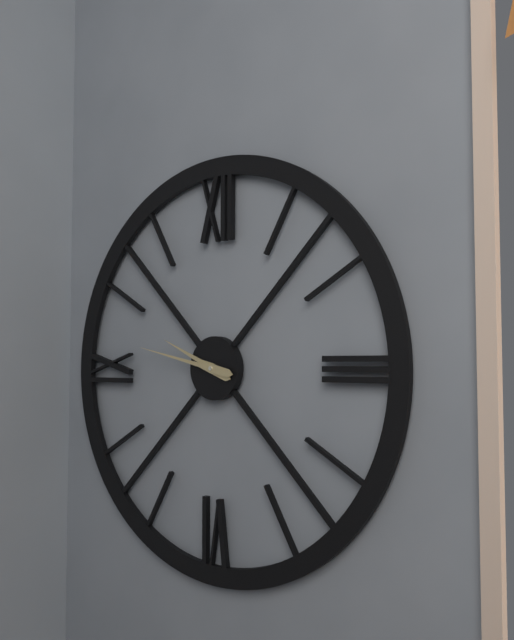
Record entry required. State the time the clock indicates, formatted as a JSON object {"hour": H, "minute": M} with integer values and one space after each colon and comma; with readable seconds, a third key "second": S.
{"hour": 9, "minute": 47}
